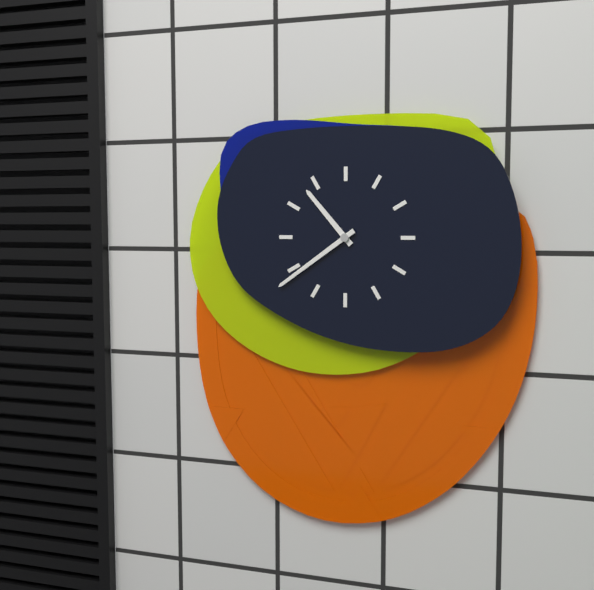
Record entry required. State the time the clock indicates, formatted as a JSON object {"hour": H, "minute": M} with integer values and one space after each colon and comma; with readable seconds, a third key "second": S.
{"hour": 10, "minute": 39}
